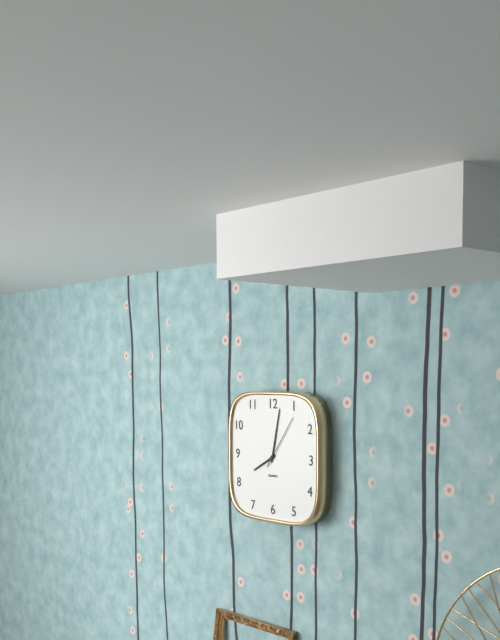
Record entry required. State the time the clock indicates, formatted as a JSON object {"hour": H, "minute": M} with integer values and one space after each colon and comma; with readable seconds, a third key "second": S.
{"hour": 8, "minute": 2}
